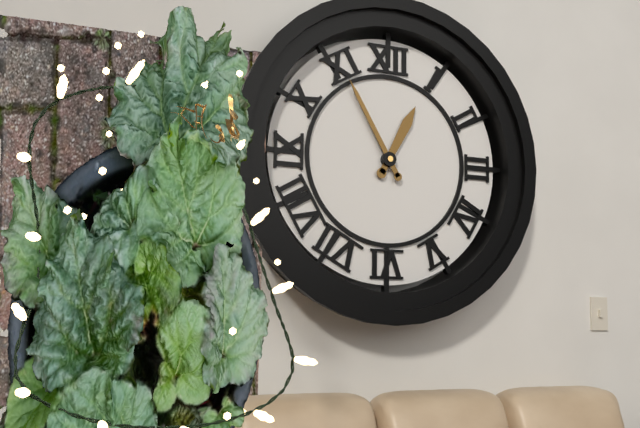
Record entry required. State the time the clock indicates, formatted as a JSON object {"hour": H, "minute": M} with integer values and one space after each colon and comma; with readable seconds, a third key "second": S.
{"hour": 12, "minute": 55}
